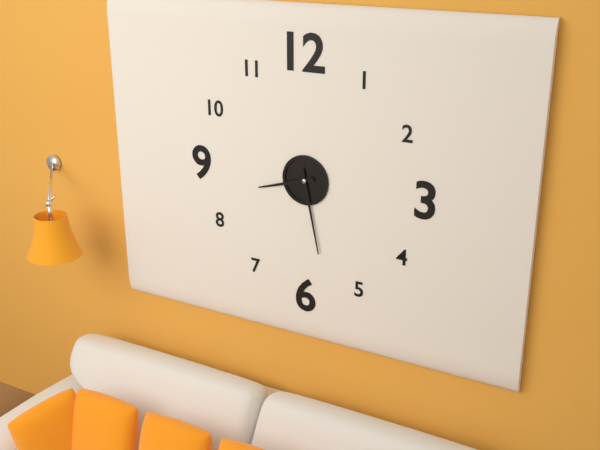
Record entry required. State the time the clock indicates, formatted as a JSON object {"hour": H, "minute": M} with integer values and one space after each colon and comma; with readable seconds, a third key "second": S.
{"hour": 8, "minute": 28}
